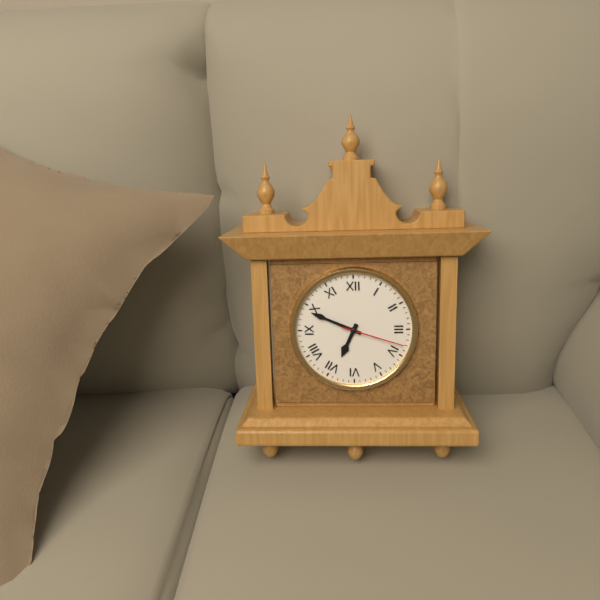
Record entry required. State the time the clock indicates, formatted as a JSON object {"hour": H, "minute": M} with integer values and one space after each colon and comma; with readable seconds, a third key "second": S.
{"hour": 6, "minute": 49, "second": 18}
